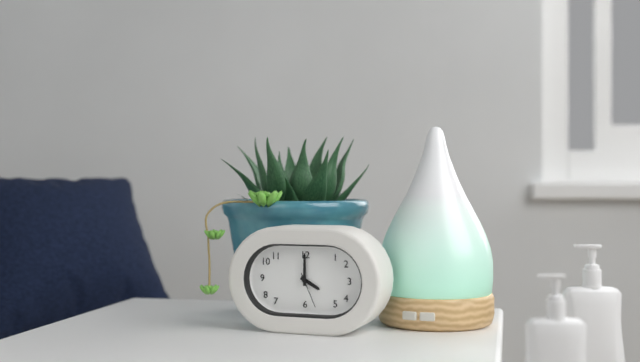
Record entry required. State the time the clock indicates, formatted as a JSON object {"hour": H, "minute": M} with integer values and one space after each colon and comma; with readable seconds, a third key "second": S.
{"hour": 4, "minute": 0}
